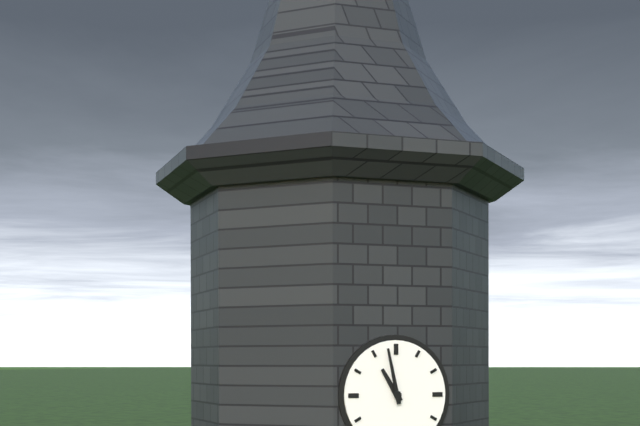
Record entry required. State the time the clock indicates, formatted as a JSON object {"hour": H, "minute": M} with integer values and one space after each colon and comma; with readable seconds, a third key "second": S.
{"hour": 10, "minute": 58}
